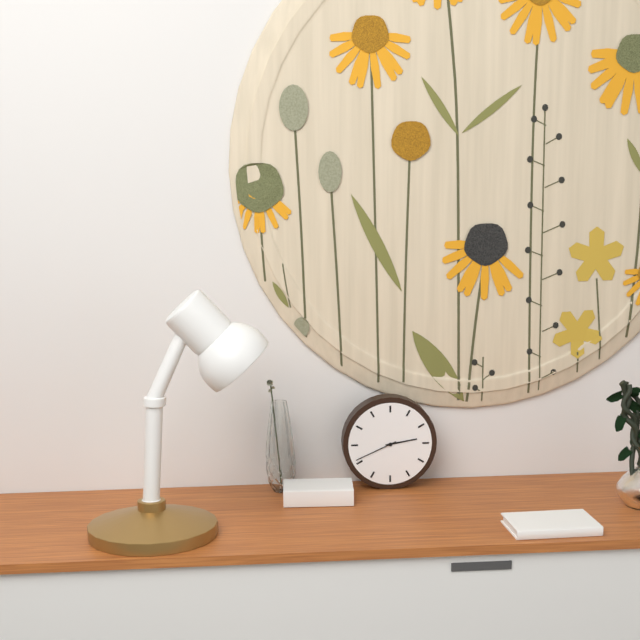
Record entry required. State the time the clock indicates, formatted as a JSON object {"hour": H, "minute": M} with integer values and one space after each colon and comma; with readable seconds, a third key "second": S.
{"hour": 2, "minute": 41}
